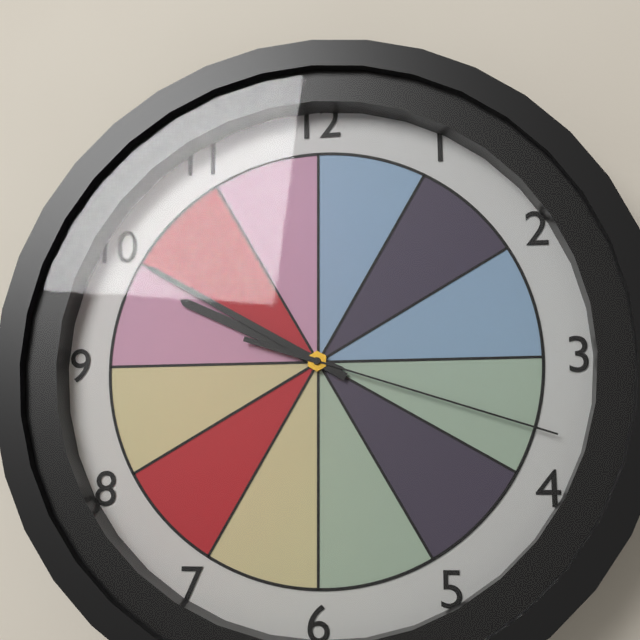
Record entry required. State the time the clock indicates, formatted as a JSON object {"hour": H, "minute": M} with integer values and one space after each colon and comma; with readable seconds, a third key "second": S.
{"hour": 9, "minute": 50, "second": 18}
